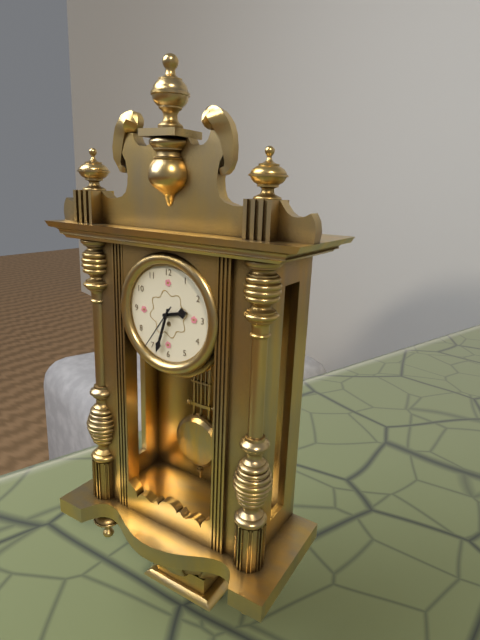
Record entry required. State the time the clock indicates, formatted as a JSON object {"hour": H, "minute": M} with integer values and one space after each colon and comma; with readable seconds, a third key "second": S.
{"hour": 2, "minute": 33, "second": 36}
